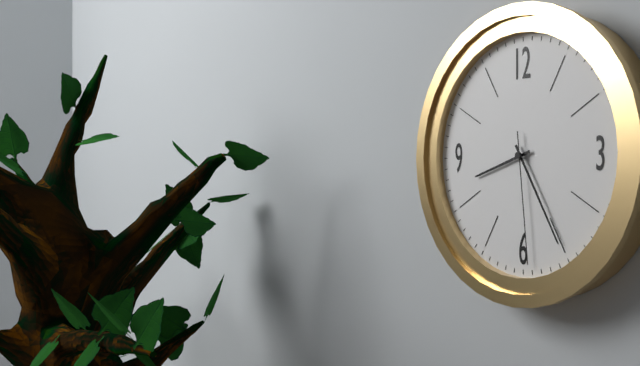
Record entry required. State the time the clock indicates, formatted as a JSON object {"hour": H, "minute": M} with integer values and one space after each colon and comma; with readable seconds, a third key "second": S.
{"hour": 8, "minute": 25, "second": 29}
